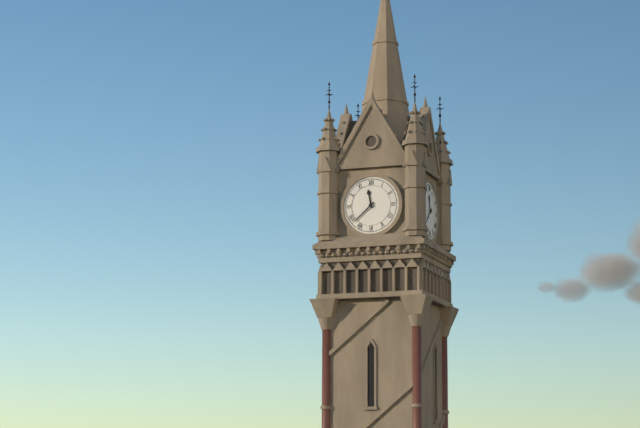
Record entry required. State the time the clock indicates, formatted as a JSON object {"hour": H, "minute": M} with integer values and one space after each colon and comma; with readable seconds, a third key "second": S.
{"hour": 11, "minute": 38}
